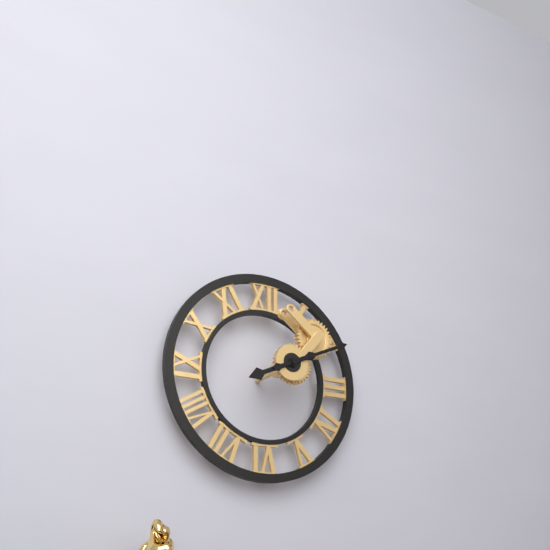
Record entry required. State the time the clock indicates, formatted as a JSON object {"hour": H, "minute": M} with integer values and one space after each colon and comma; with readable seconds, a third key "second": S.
{"hour": 8, "minute": 11}
